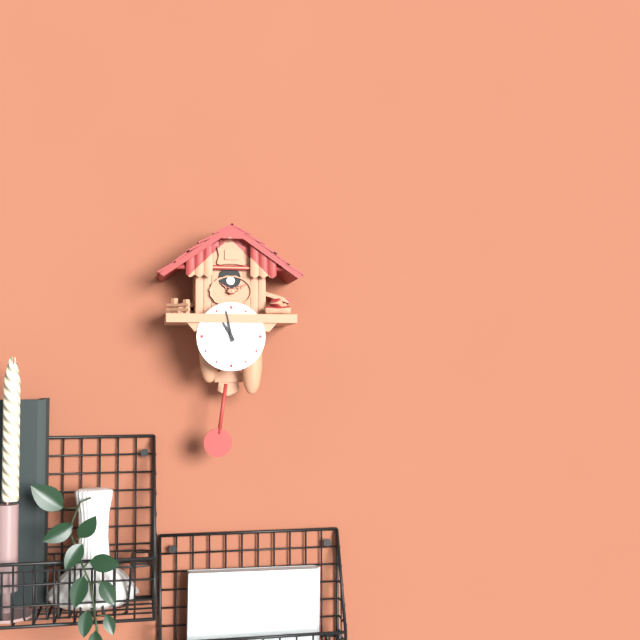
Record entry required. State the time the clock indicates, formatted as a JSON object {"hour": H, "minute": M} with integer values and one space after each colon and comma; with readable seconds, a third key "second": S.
{"hour": 10, "minute": 58}
